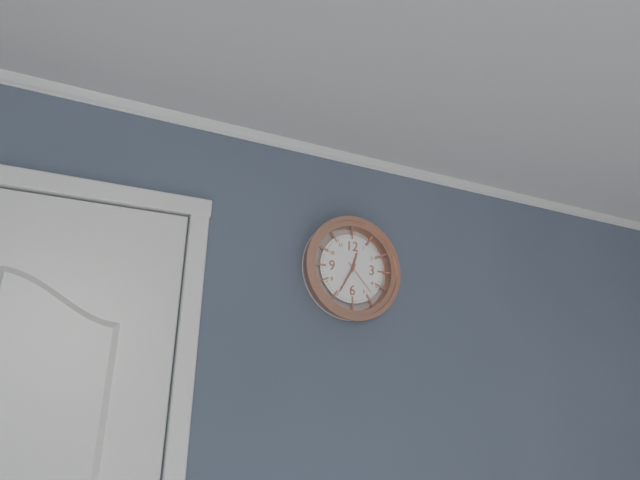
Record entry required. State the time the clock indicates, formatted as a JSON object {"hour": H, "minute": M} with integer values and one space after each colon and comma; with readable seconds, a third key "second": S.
{"hour": 12, "minute": 35}
